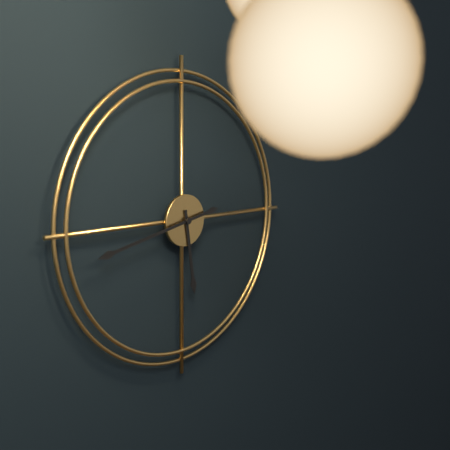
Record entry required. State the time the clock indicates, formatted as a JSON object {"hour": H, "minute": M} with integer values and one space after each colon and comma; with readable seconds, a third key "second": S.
{"hour": 5, "minute": 43}
